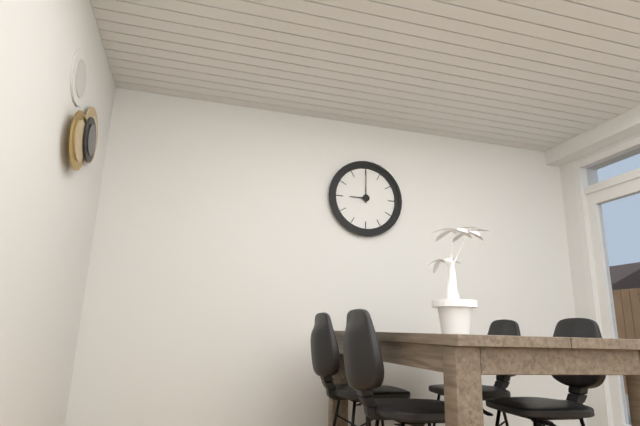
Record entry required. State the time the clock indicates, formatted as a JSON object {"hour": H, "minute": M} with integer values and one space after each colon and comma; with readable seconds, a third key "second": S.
{"hour": 9, "minute": 0}
